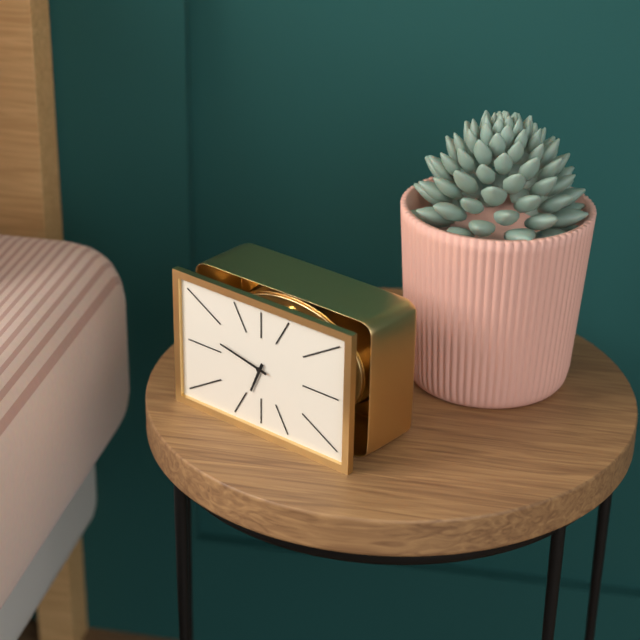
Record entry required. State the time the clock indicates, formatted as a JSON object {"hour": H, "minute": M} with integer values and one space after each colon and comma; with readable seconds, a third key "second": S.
{"hour": 6, "minute": 47}
